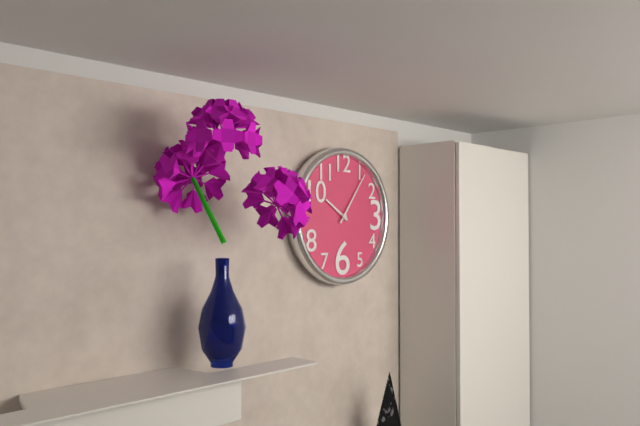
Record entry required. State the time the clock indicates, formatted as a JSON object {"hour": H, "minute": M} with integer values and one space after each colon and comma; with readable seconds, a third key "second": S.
{"hour": 10, "minute": 6}
